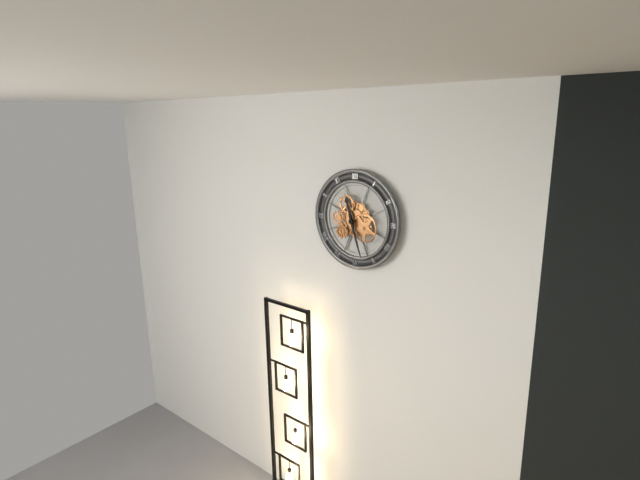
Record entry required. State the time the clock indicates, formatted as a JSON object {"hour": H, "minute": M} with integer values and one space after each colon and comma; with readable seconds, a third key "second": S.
{"hour": 11, "minute": 27}
